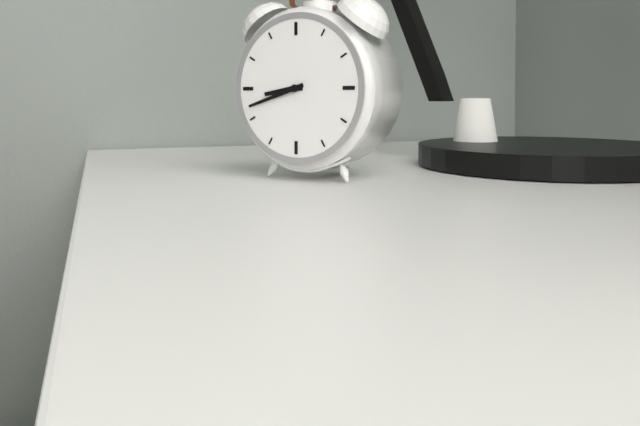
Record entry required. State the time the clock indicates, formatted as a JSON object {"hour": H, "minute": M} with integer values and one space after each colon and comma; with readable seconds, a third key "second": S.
{"hour": 8, "minute": 42}
